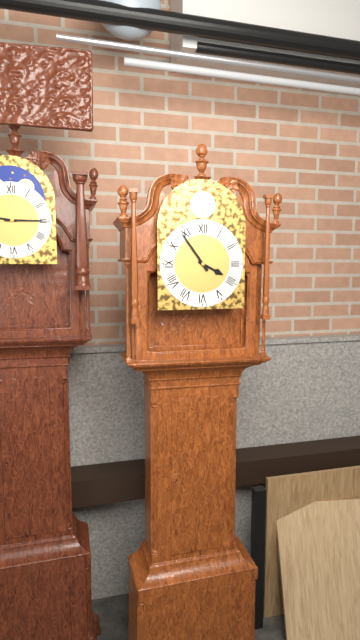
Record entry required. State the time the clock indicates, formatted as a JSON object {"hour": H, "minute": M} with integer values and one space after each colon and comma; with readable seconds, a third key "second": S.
{"hour": 3, "minute": 54}
